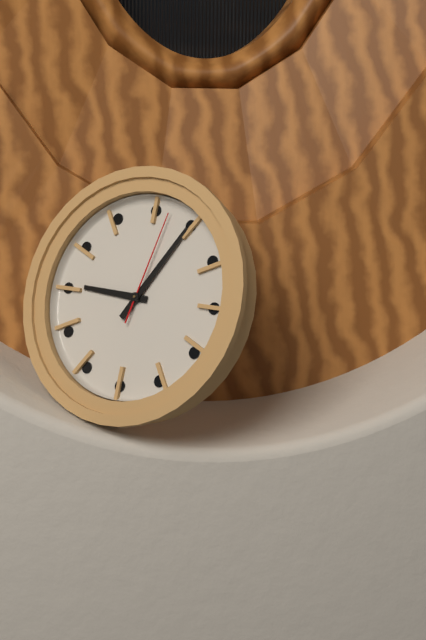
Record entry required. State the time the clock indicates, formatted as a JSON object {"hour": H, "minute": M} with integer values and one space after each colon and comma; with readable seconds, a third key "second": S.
{"hour": 9, "minute": 5, "second": 2}
